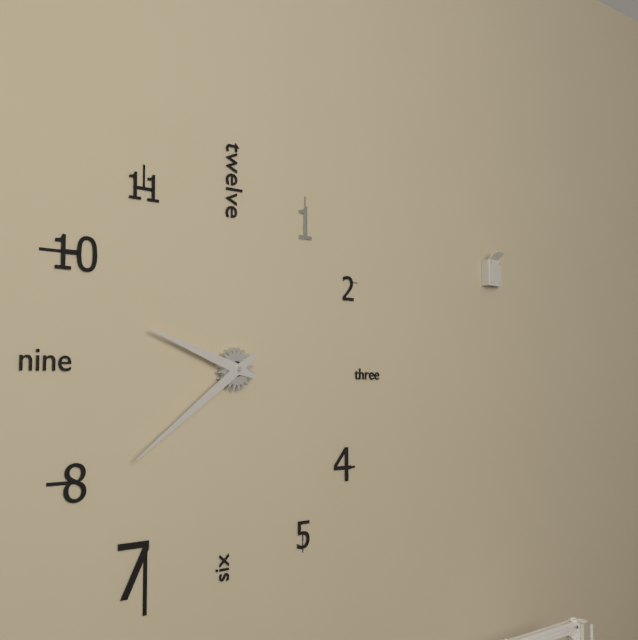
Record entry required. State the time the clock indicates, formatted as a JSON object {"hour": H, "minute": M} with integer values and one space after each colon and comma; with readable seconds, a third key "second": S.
{"hour": 9, "minute": 39}
